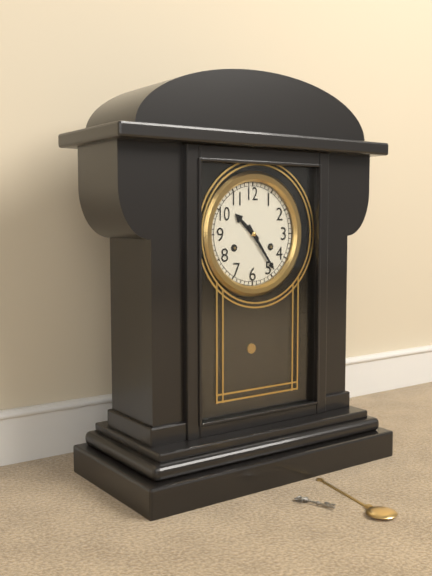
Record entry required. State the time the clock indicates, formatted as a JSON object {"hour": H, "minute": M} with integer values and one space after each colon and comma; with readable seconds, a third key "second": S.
{"hour": 10, "minute": 24}
